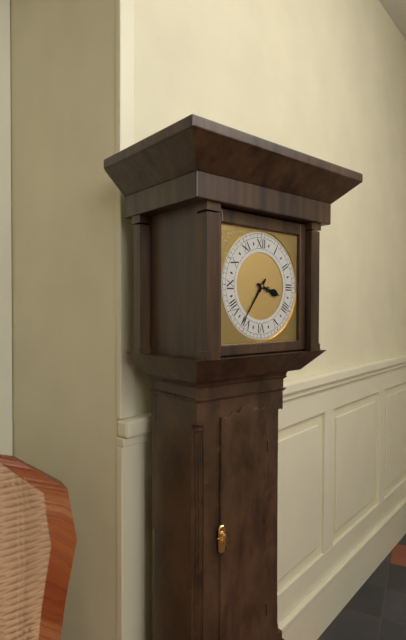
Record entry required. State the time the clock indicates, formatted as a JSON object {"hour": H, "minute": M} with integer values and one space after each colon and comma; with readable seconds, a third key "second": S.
{"hour": 3, "minute": 36}
